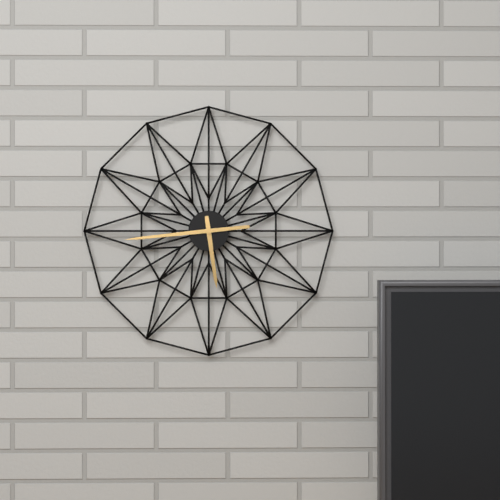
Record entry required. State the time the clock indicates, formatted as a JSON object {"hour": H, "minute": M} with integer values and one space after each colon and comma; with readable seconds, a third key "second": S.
{"hour": 5, "minute": 44}
